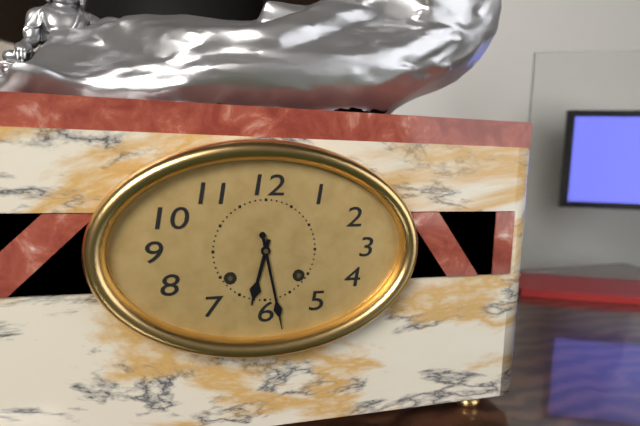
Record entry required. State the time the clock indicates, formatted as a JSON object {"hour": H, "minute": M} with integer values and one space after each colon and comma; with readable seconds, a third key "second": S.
{"hour": 6, "minute": 28}
